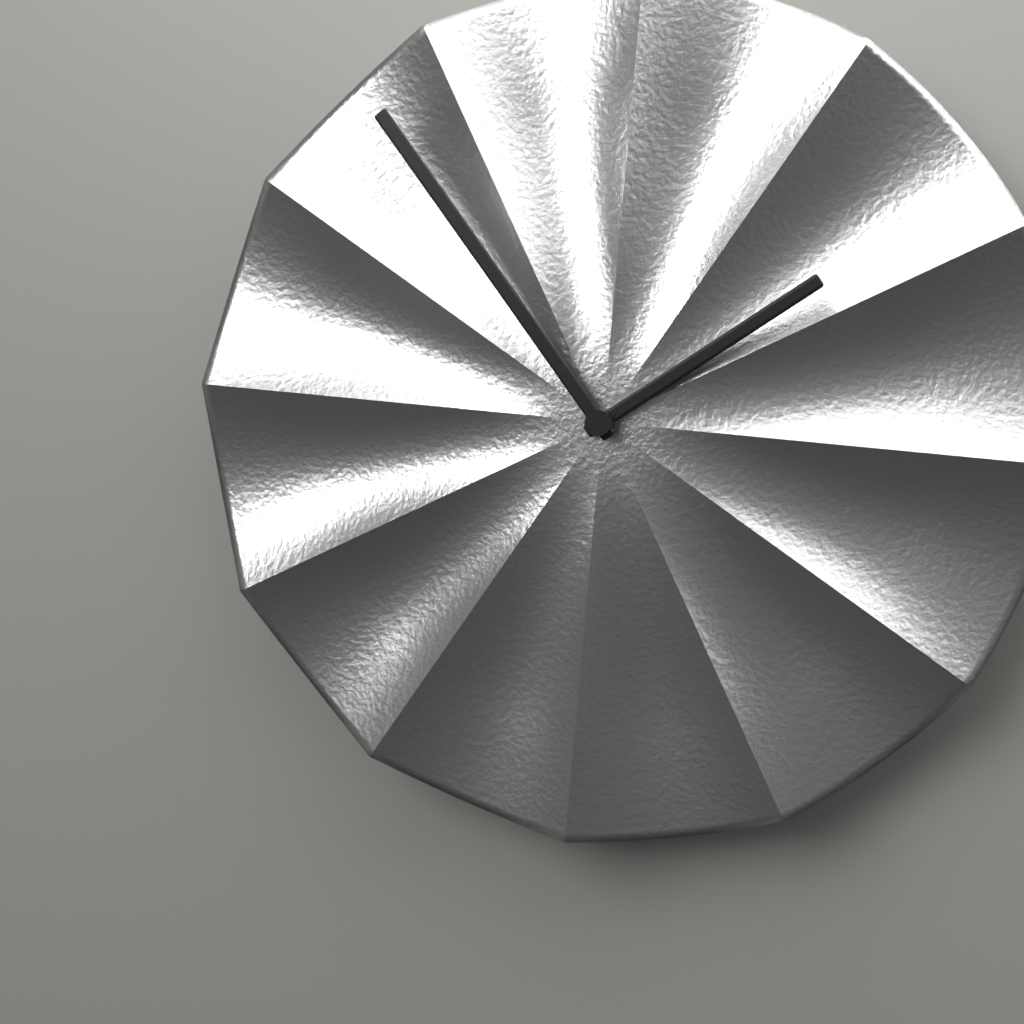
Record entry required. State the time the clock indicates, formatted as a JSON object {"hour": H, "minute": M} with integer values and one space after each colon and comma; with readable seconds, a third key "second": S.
{"hour": 1, "minute": 54}
